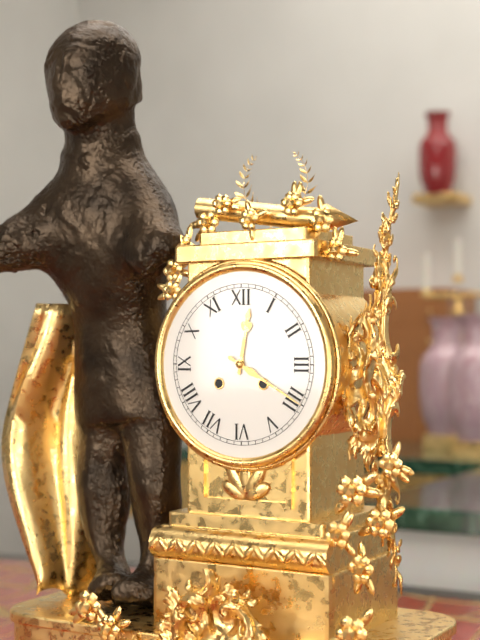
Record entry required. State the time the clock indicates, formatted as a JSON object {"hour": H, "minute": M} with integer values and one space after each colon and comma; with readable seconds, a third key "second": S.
{"hour": 12, "minute": 20}
